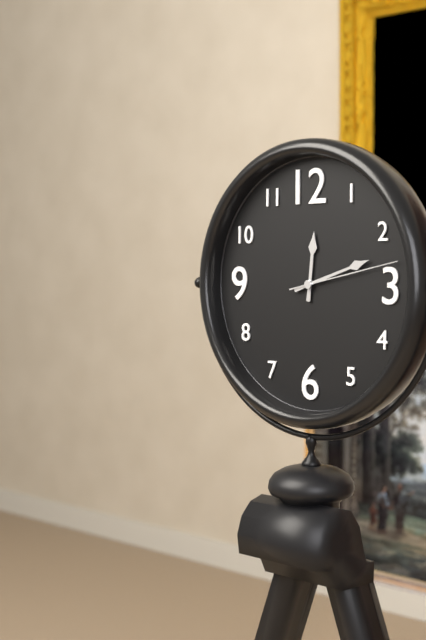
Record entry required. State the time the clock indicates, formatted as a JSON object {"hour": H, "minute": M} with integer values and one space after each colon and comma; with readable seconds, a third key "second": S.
{"hour": 12, "minute": 12, "second": 13}
